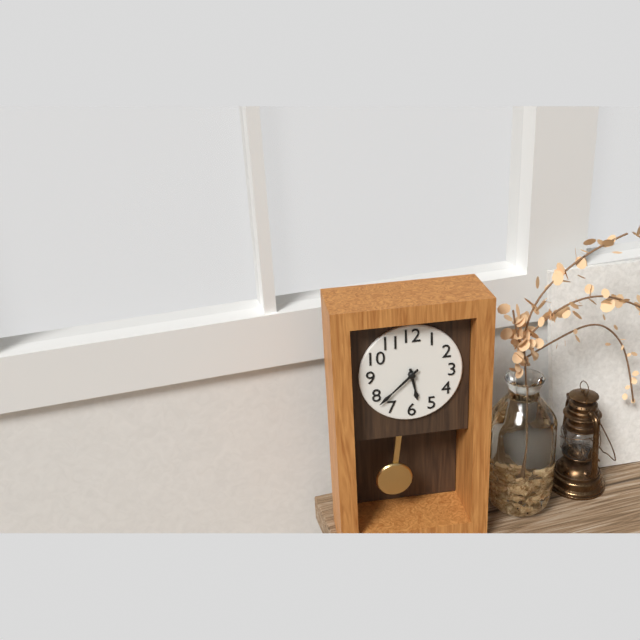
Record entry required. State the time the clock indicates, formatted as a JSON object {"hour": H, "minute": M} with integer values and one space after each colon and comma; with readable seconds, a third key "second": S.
{"hour": 5, "minute": 38}
